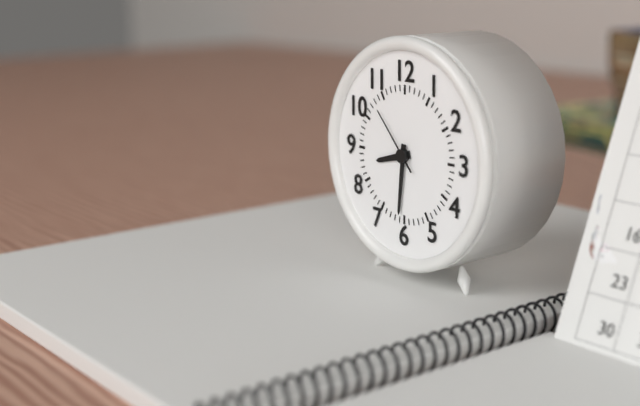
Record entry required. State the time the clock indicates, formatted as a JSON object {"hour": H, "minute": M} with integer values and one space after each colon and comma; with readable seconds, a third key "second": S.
{"hour": 8, "minute": 31, "second": 53}
